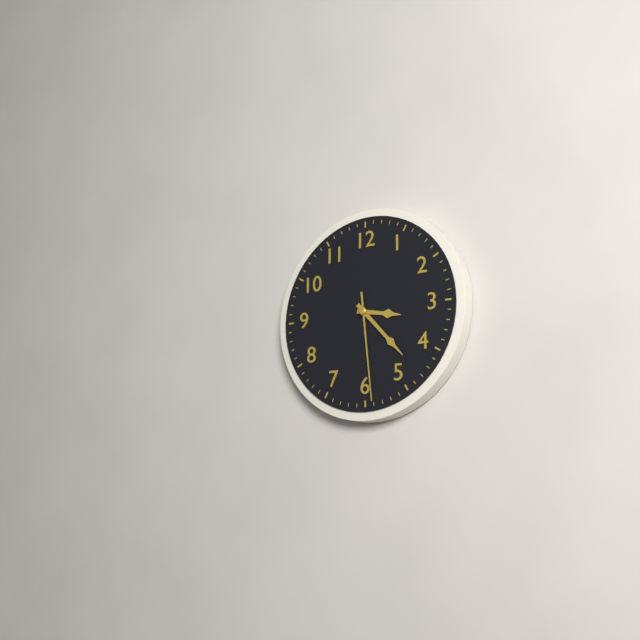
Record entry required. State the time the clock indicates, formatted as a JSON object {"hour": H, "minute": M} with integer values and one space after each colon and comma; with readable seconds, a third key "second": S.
{"hour": 3, "minute": 23, "second": 29}
